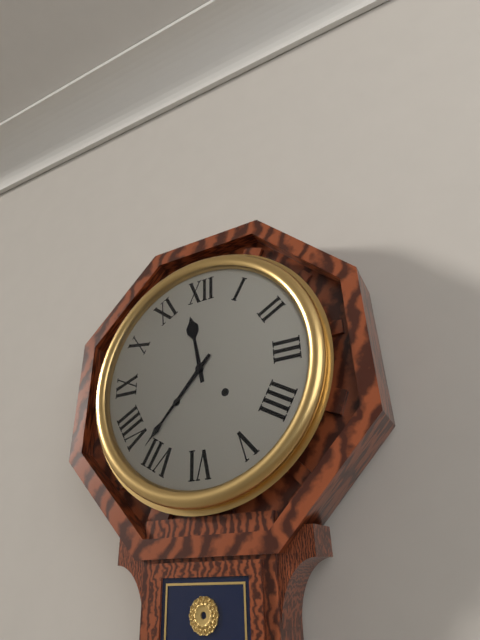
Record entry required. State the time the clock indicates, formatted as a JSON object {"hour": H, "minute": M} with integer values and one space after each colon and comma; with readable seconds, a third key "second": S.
{"hour": 11, "minute": 37}
